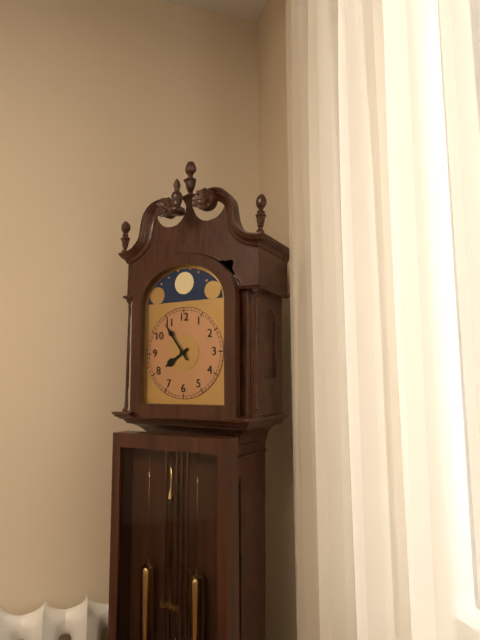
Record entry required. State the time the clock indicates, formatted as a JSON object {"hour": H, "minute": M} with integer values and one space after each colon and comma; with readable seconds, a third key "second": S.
{"hour": 7, "minute": 54}
